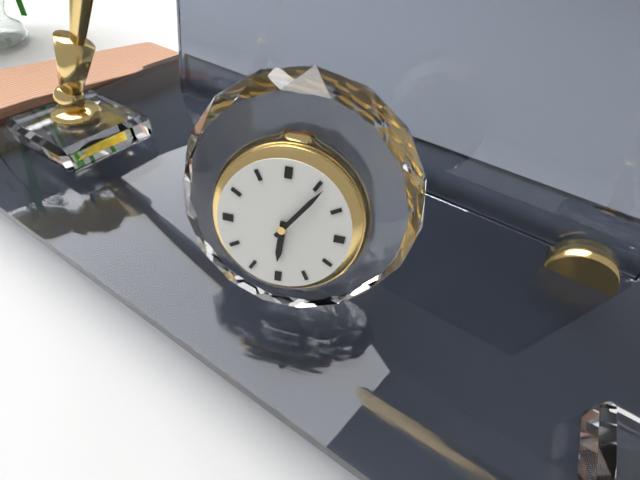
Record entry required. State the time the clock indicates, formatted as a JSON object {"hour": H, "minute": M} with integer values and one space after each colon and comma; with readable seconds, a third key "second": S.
{"hour": 6, "minute": 6}
